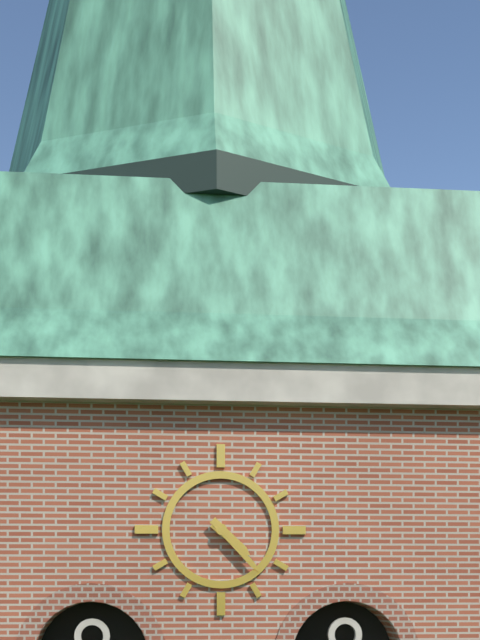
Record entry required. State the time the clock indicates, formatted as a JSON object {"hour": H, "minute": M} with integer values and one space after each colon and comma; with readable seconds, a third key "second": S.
{"hour": 4, "minute": 23}
